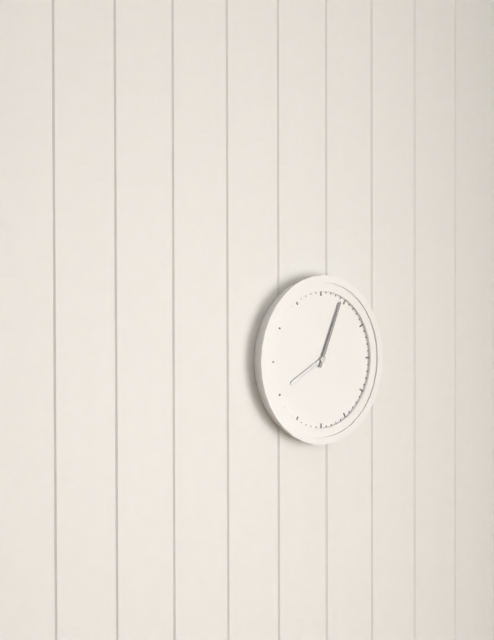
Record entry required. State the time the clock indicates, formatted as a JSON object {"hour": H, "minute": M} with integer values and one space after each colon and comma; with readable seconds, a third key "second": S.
{"hour": 8, "minute": 4}
